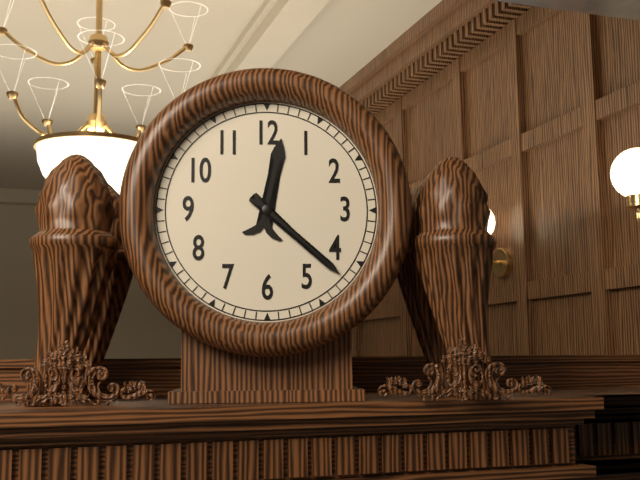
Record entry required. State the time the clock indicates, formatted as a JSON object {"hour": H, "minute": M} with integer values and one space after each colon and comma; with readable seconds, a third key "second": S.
{"hour": 12, "minute": 22}
